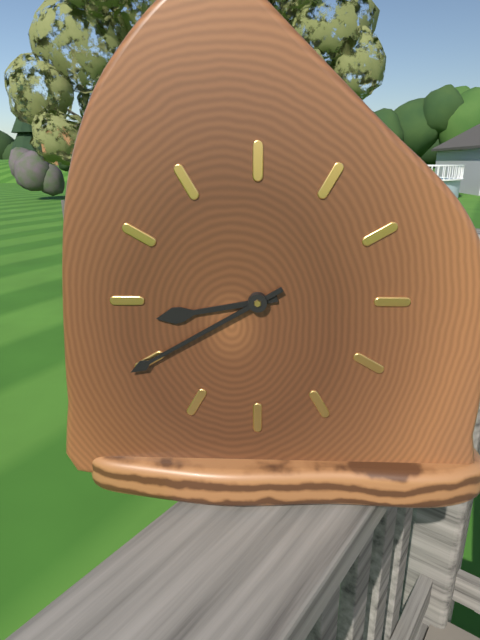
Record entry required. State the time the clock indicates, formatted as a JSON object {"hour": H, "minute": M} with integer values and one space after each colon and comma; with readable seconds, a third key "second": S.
{"hour": 8, "minute": 40}
